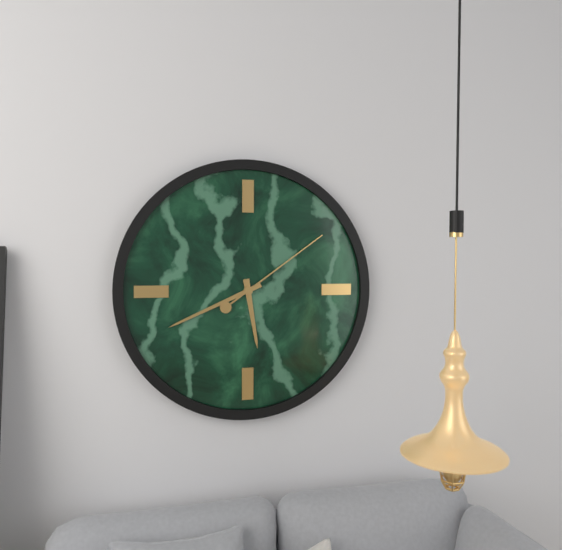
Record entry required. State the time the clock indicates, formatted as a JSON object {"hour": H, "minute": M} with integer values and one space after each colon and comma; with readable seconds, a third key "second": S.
{"hour": 5, "minute": 41, "second": 9}
